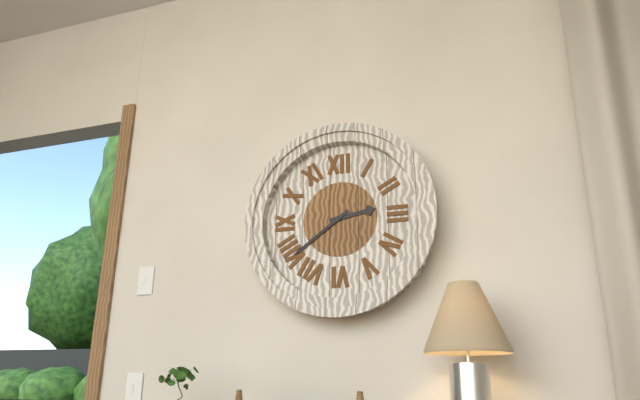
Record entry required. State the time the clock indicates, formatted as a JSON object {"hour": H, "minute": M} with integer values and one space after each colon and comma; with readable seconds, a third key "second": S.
{"hour": 2, "minute": 39}
